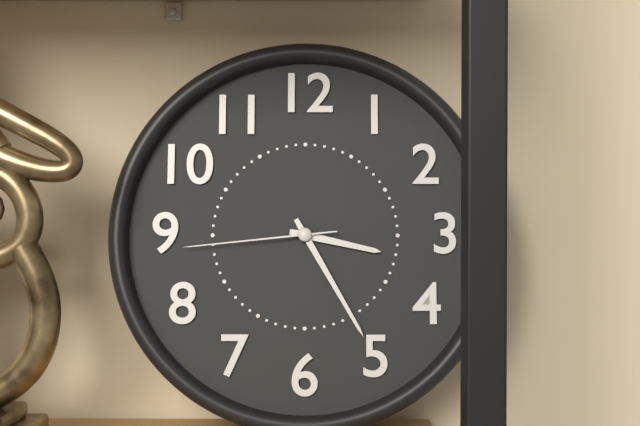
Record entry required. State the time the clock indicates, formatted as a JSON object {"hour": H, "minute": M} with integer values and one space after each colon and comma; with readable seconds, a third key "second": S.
{"hour": 3, "minute": 25, "second": 44}
